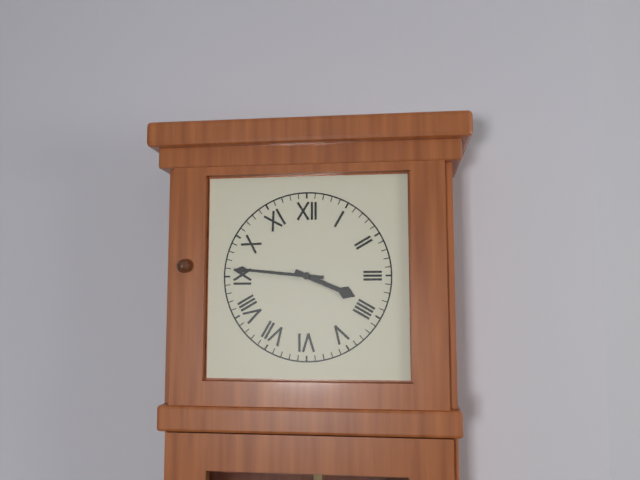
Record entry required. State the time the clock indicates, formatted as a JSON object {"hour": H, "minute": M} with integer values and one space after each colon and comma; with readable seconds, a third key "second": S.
{"hour": 3, "minute": 46}
